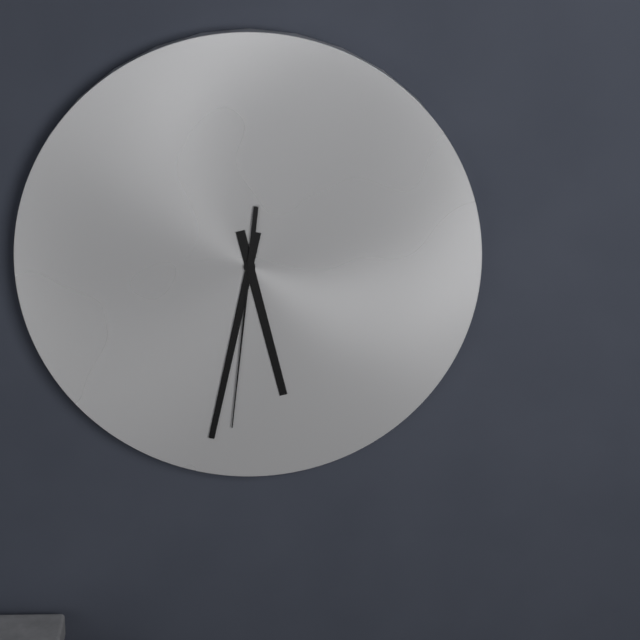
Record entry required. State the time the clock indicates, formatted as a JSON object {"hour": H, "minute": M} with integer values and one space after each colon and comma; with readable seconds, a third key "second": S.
{"hour": 5, "minute": 32, "second": 31}
